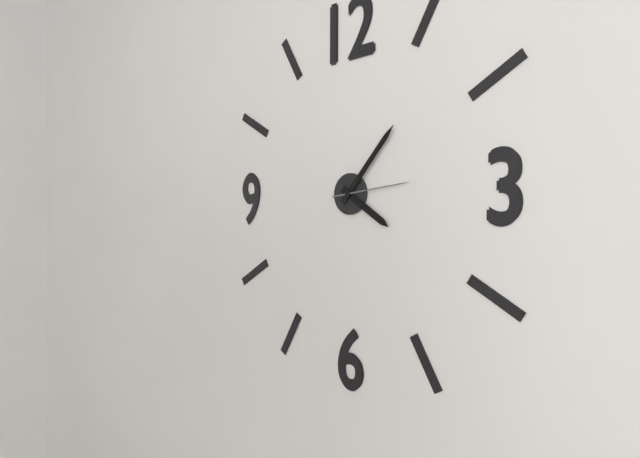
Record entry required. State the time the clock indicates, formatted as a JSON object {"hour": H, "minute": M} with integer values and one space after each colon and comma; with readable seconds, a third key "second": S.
{"hour": 4, "minute": 7, "second": 14}
